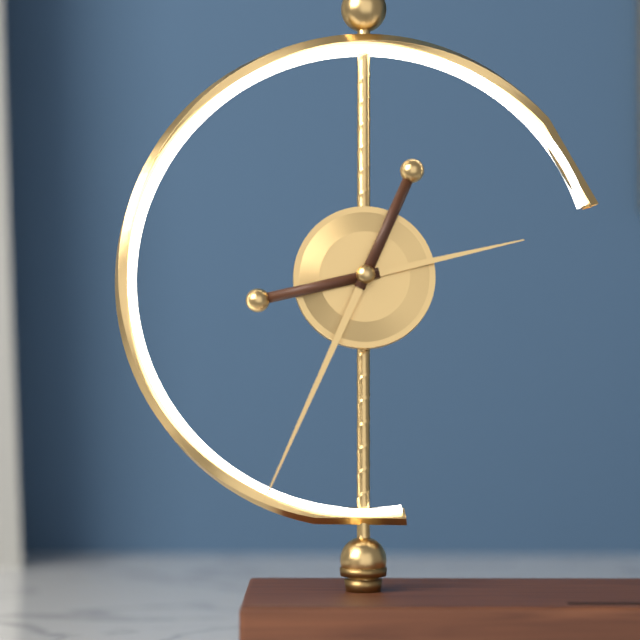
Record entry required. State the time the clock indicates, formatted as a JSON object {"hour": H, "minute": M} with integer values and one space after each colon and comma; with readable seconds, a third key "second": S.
{"hour": 2, "minute": 34}
